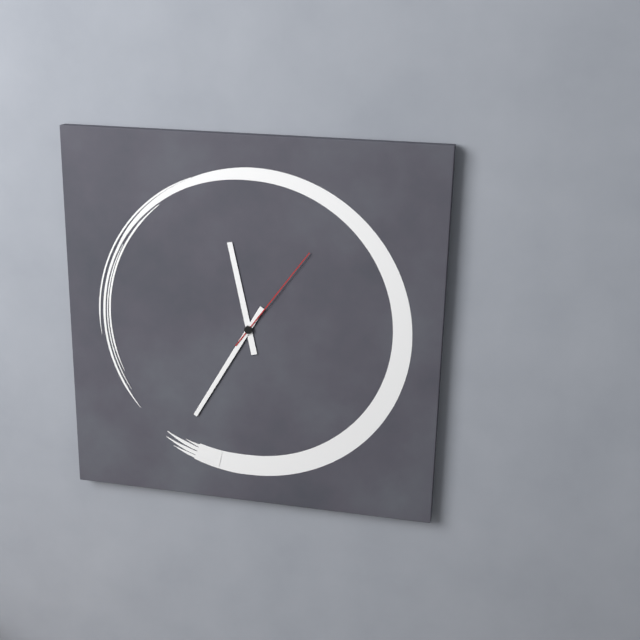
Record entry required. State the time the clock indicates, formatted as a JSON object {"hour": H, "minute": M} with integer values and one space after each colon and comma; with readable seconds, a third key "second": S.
{"hour": 11, "minute": 35, "second": 6}
